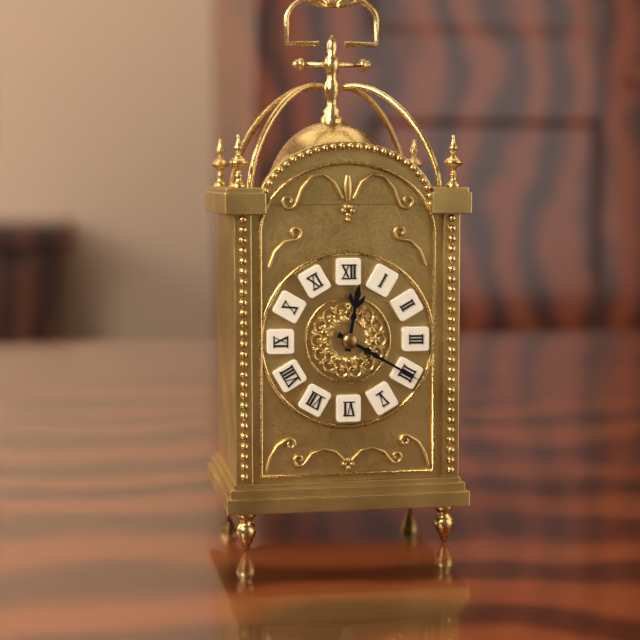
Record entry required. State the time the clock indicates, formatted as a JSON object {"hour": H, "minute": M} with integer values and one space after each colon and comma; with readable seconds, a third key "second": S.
{"hour": 12, "minute": 20}
